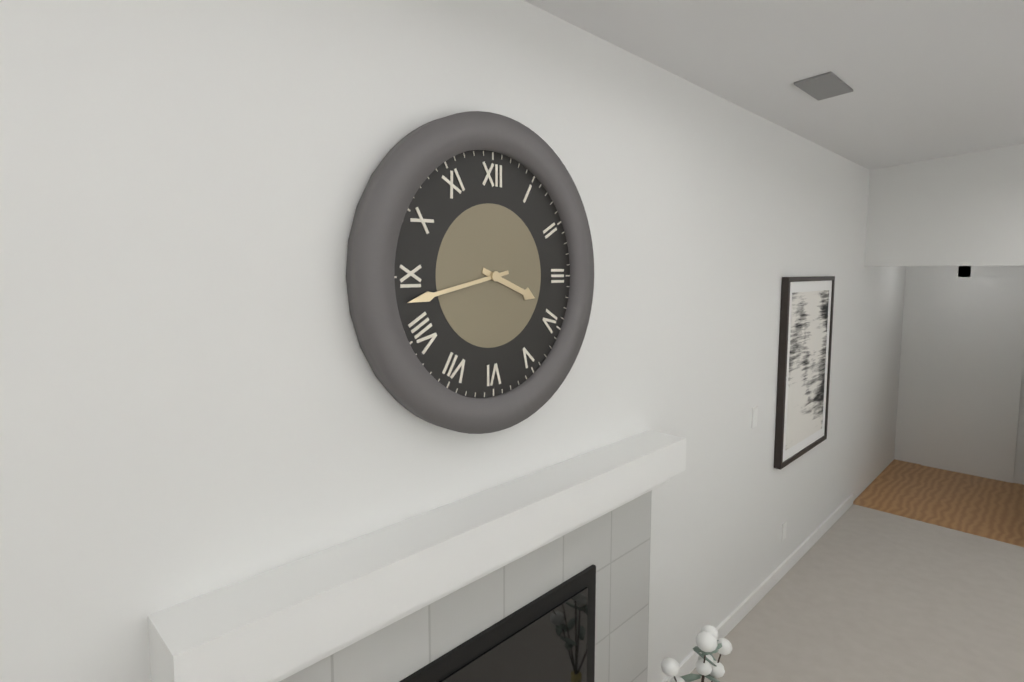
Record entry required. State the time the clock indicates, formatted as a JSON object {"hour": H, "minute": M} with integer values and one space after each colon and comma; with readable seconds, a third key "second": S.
{"hour": 3, "minute": 43}
